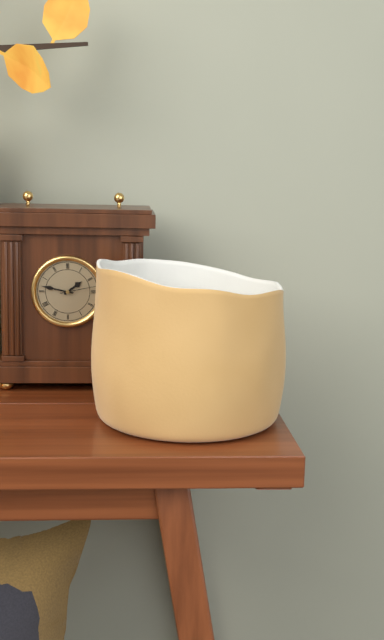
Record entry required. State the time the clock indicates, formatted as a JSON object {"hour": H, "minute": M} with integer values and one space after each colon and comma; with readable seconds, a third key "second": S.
{"hour": 1, "minute": 47}
